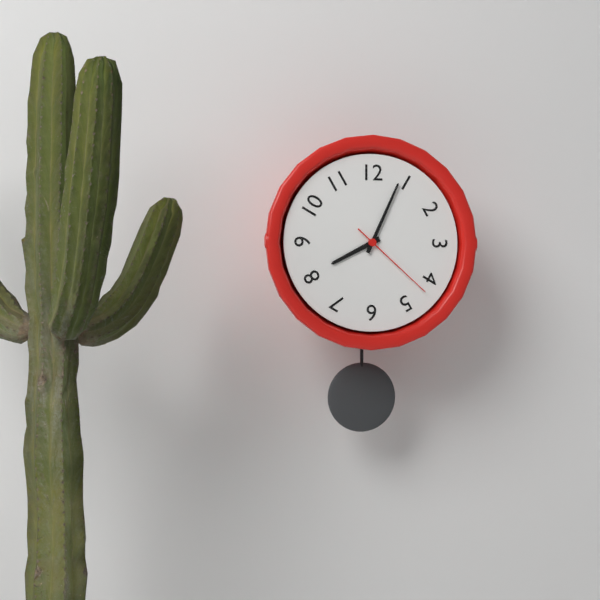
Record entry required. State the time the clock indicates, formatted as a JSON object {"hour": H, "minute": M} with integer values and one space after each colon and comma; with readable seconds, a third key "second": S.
{"hour": 8, "minute": 4, "second": 22}
